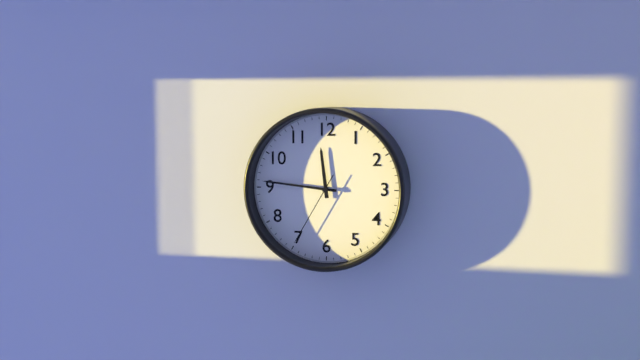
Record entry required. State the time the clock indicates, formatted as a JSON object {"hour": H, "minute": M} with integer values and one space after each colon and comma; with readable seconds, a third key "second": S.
{"hour": 11, "minute": 46, "second": 35}
